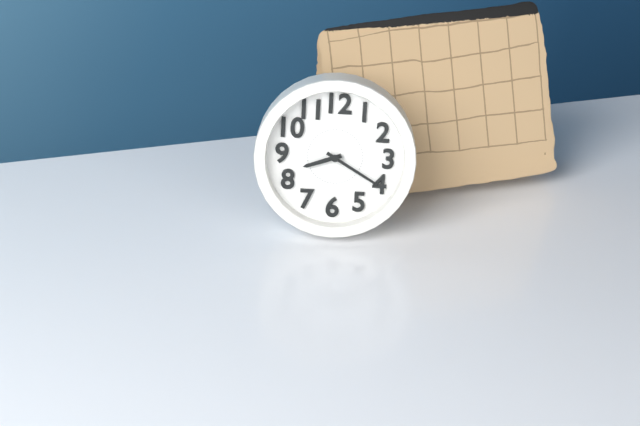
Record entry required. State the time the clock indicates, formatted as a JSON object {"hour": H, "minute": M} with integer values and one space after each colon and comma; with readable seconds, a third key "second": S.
{"hour": 8, "minute": 20}
